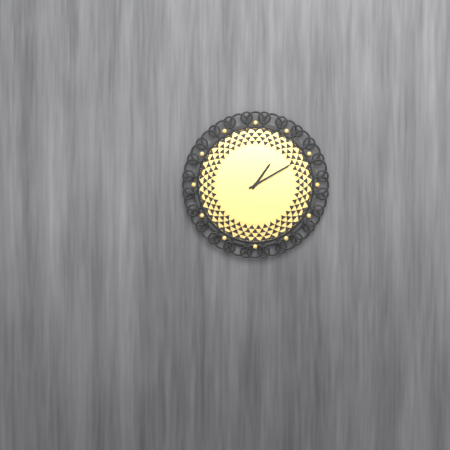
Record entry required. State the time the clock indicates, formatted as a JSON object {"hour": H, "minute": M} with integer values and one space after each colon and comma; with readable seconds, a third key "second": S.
{"hour": 1, "minute": 10}
